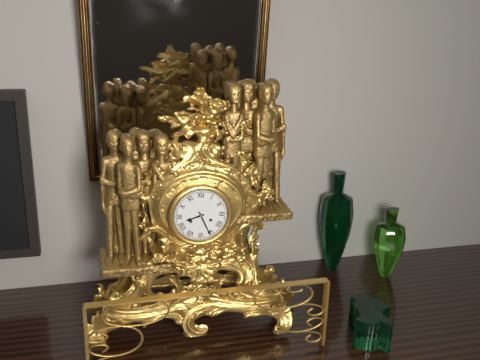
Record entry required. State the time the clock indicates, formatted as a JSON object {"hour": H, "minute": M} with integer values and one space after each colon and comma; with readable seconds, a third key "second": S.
{"hour": 8, "minute": 26}
